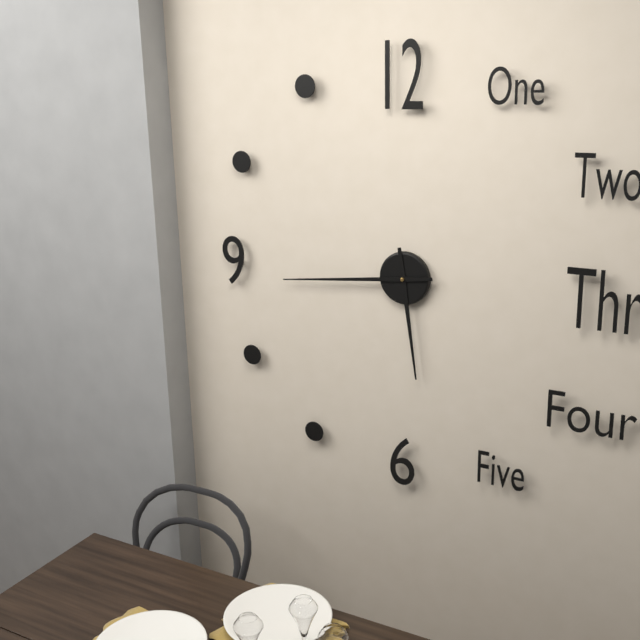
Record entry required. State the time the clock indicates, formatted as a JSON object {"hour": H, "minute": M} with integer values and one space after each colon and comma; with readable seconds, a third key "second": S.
{"hour": 5, "minute": 44}
